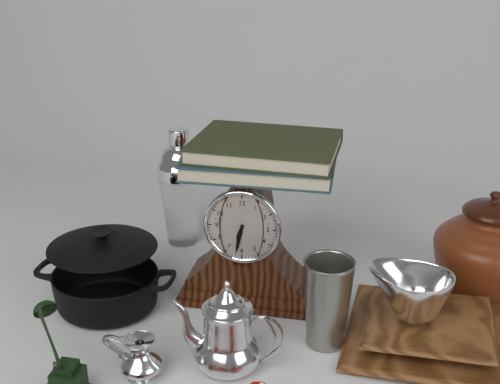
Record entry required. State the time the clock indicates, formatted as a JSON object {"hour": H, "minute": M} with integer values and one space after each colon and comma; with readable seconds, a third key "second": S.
{"hour": 6, "minute": 32}
